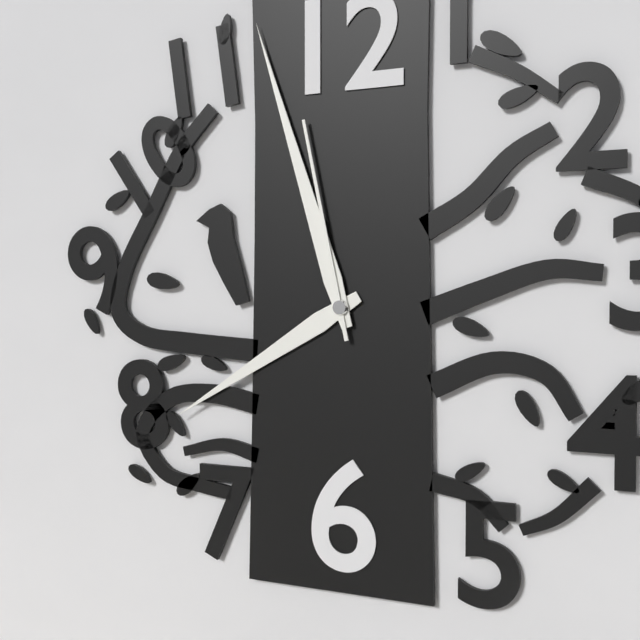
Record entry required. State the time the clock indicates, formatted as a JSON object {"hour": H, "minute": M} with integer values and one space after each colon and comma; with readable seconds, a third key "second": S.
{"hour": 7, "minute": 57, "second": 58}
